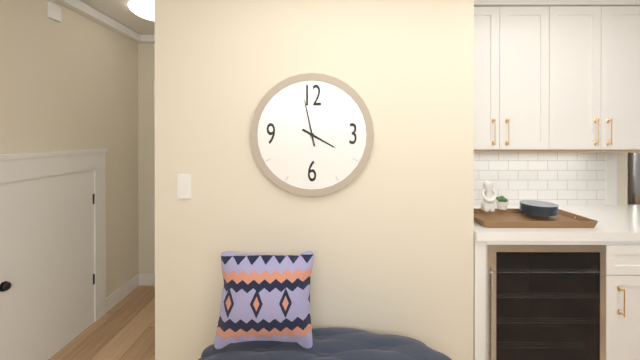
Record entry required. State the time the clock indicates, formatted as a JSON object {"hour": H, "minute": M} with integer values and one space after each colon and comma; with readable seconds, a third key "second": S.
{"hour": 3, "minute": 58}
